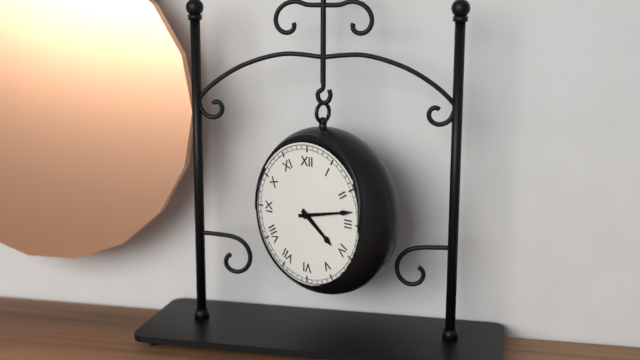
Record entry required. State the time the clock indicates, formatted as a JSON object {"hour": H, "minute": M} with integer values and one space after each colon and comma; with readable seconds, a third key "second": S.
{"hour": 4, "minute": 13}
